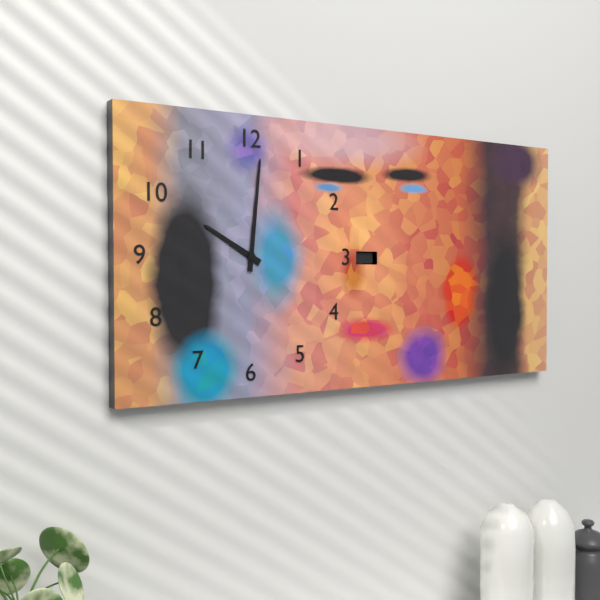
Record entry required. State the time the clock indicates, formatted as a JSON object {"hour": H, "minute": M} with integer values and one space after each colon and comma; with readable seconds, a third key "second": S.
{"hour": 10, "minute": 1}
